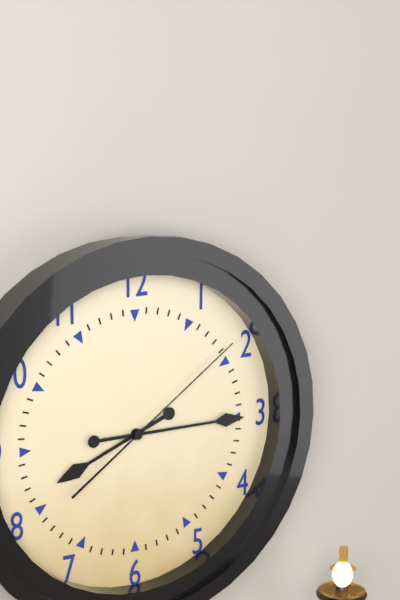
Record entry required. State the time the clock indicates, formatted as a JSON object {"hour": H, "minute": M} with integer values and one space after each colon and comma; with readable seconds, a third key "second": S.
{"hour": 8, "minute": 15, "second": 9}
